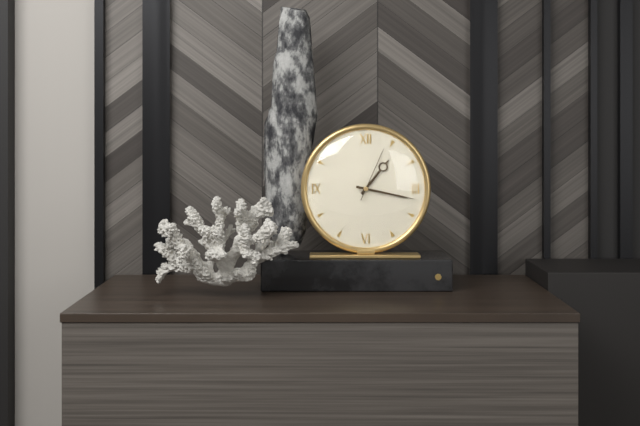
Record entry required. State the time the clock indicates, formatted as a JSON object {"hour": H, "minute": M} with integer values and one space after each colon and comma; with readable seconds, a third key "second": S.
{"hour": 1, "minute": 17, "second": 4}
